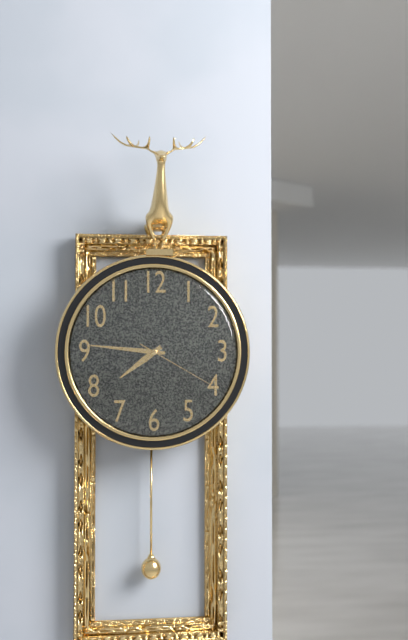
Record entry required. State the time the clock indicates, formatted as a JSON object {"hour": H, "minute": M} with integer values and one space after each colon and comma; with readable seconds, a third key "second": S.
{"hour": 7, "minute": 46, "second": 20}
